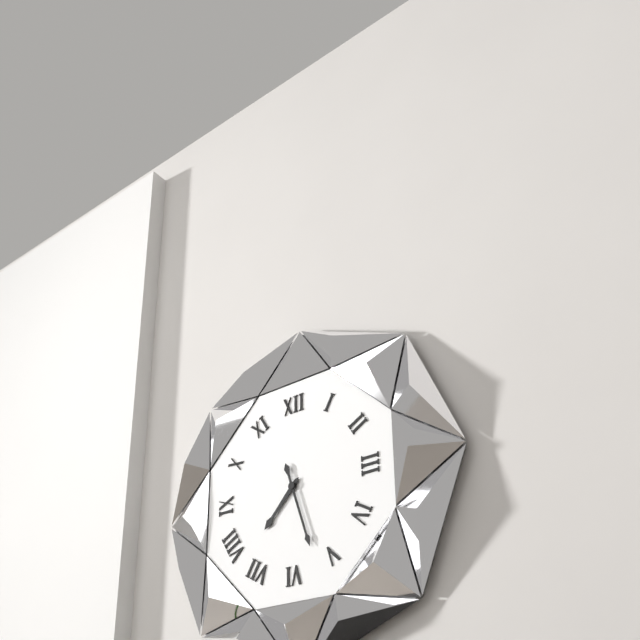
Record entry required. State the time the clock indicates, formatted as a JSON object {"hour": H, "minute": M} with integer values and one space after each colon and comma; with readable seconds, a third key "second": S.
{"hour": 7, "minute": 27}
